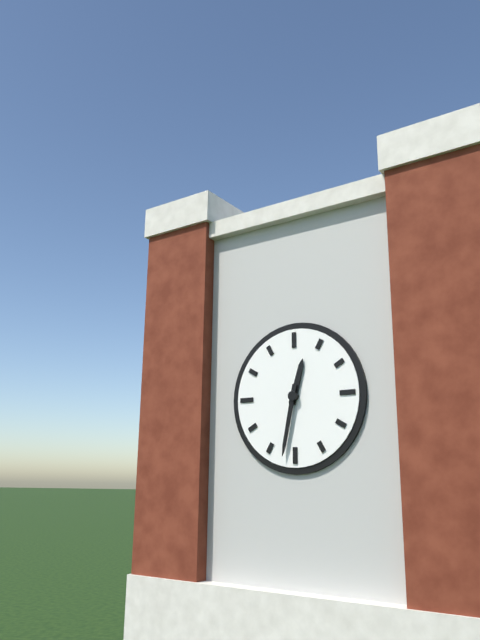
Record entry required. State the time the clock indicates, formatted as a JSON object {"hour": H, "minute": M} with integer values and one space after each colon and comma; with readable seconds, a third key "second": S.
{"hour": 12, "minute": 32}
